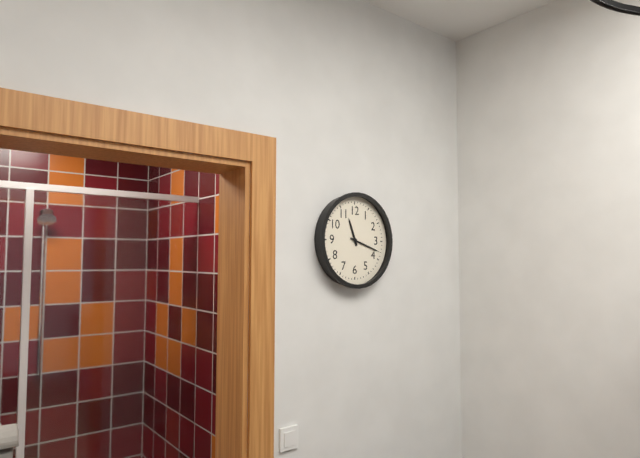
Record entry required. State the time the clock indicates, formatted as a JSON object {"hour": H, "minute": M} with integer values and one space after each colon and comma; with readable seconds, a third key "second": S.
{"hour": 11, "minute": 18}
